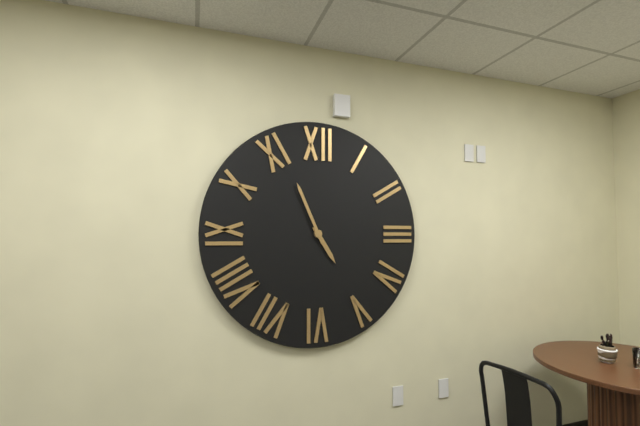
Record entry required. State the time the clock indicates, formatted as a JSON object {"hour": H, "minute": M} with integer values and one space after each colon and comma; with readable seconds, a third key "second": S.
{"hour": 4, "minute": 56}
